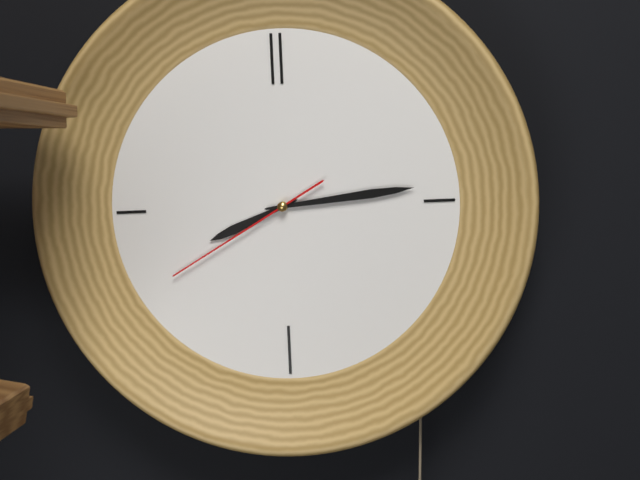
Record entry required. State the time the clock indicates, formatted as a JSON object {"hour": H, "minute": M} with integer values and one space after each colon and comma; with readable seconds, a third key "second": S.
{"hour": 8, "minute": 14, "second": 40}
